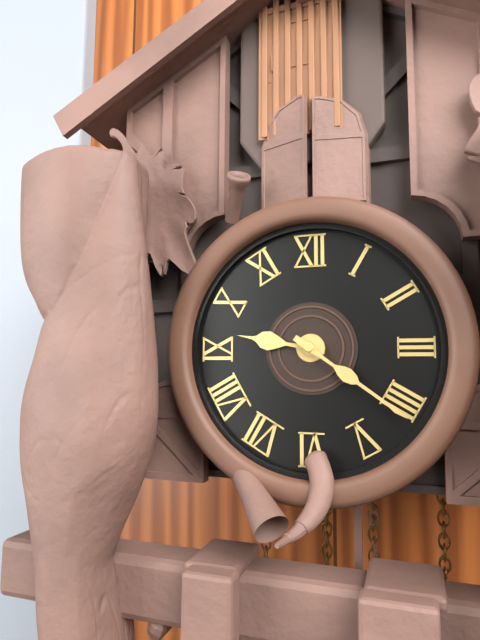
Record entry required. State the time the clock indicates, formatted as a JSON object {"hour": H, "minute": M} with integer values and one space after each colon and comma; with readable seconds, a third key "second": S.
{"hour": 9, "minute": 21}
